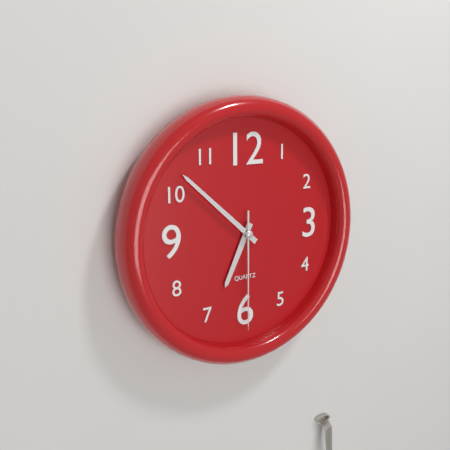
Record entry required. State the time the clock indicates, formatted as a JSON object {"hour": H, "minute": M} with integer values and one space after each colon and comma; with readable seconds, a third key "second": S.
{"hour": 6, "minute": 52, "second": 30}
